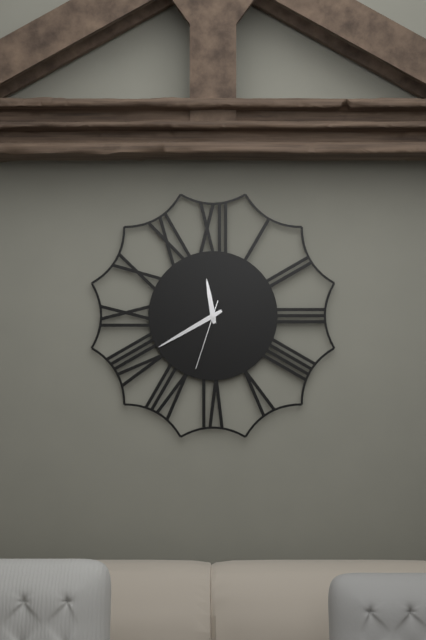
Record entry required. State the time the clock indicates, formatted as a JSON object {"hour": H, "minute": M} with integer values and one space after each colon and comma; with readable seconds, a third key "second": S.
{"hour": 11, "minute": 40, "second": 33}
